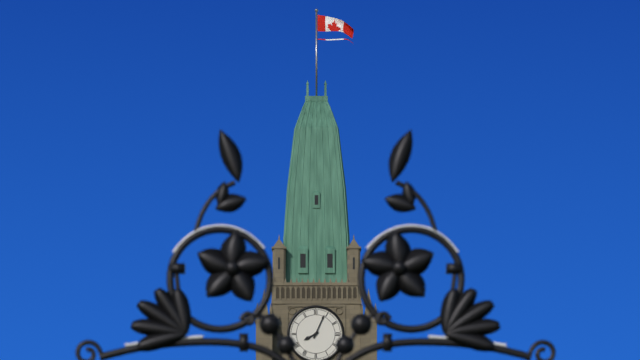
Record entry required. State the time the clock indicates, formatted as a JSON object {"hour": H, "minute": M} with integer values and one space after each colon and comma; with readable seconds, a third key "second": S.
{"hour": 8, "minute": 4}
